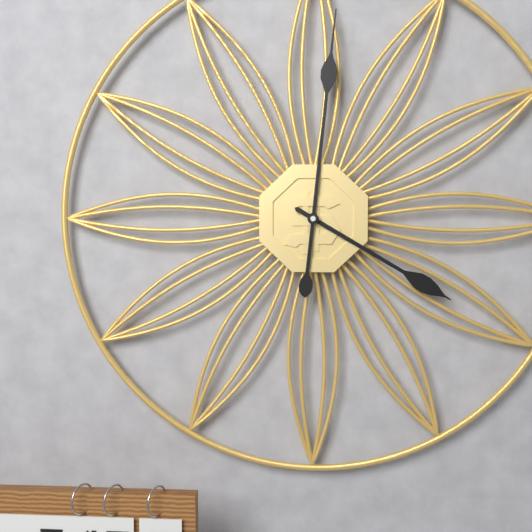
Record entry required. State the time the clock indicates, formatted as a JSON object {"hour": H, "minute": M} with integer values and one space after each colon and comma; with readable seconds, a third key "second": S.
{"hour": 4, "minute": 1}
